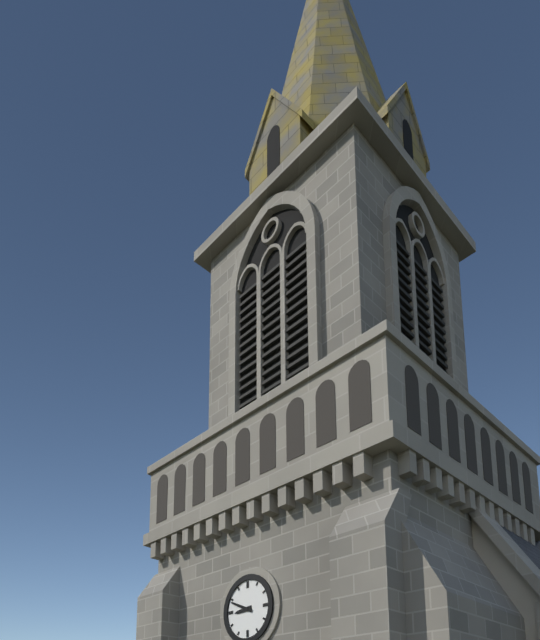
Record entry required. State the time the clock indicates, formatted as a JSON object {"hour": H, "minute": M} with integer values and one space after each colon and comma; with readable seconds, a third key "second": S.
{"hour": 8, "minute": 49}
